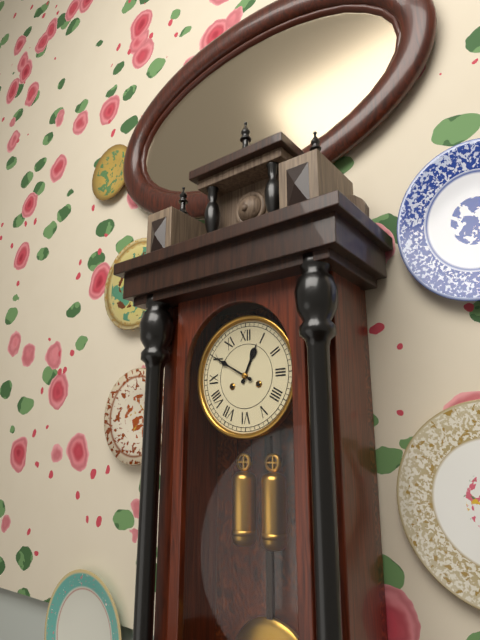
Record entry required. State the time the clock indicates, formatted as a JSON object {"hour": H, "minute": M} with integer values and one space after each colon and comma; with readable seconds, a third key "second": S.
{"hour": 12, "minute": 50}
